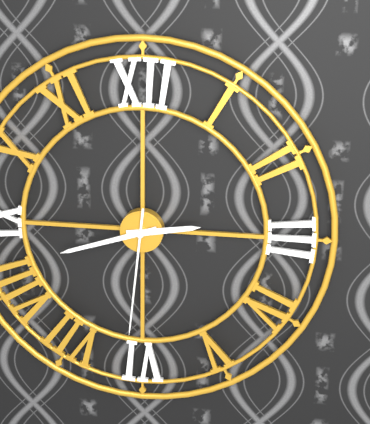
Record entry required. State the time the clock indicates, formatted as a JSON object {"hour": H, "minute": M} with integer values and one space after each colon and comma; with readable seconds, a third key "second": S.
{"hour": 2, "minute": 42, "second": 31}
